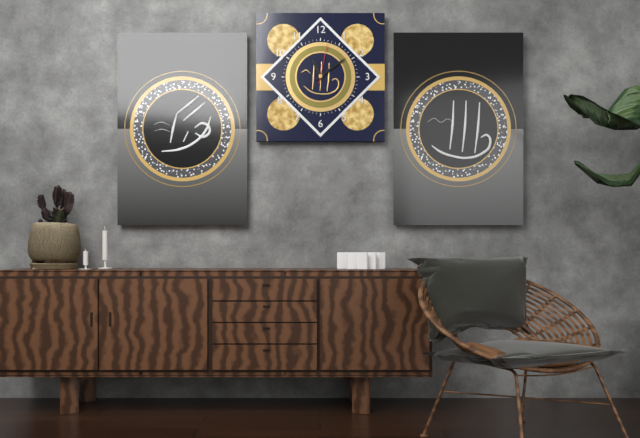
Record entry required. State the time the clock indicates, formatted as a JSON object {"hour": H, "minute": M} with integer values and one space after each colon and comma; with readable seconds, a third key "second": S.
{"hour": 11, "minute": 9}
